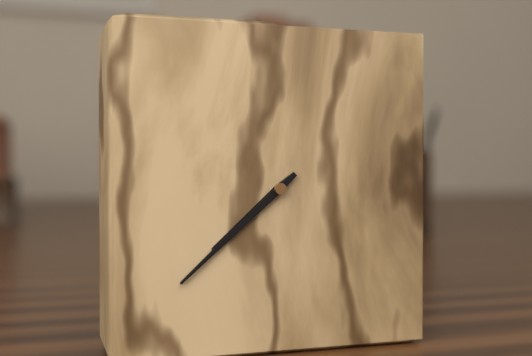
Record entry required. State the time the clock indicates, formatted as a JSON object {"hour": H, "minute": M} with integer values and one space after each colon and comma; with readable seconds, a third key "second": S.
{"hour": 7, "minute": 38}
